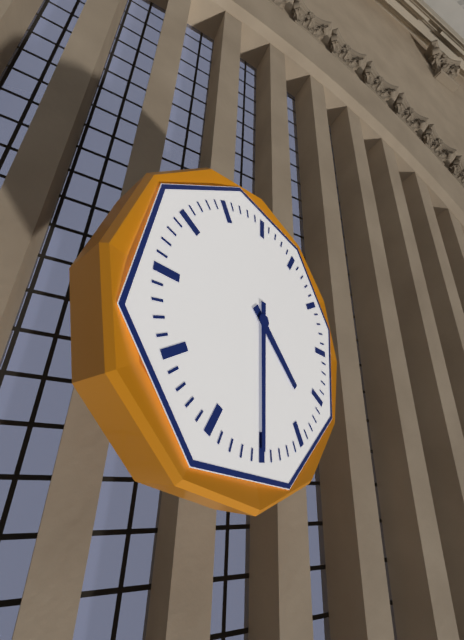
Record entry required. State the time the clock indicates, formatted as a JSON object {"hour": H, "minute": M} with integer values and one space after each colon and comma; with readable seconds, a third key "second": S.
{"hour": 4, "minute": 30}
